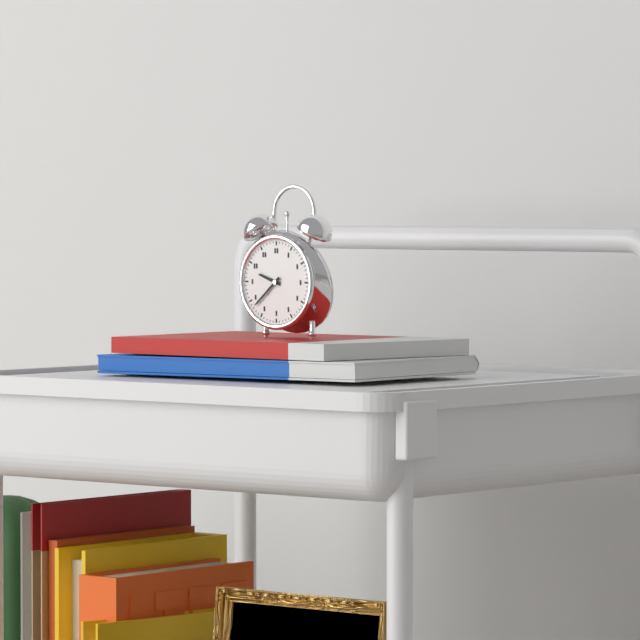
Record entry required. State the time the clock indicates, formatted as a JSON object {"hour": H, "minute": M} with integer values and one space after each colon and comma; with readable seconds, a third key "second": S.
{"hour": 9, "minute": 38}
